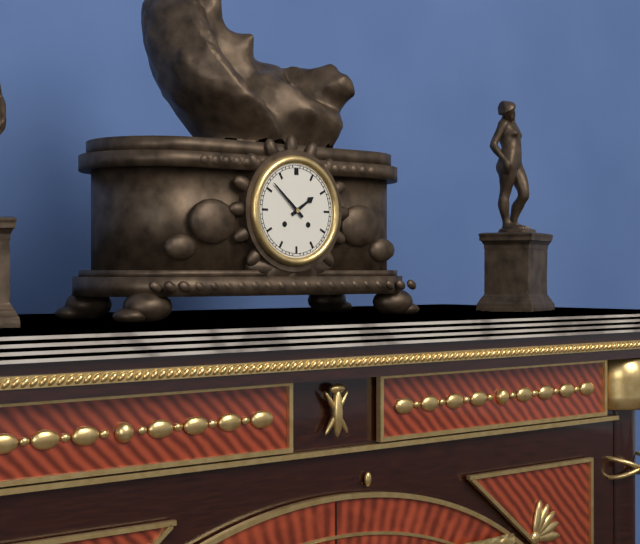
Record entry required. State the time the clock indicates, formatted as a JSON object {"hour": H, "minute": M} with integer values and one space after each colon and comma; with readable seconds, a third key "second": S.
{"hour": 1, "minute": 52}
